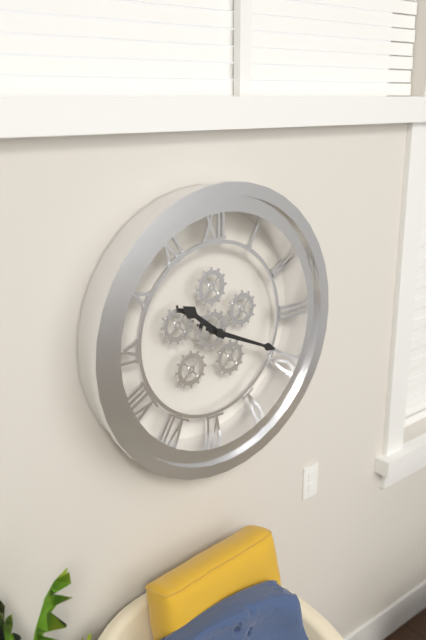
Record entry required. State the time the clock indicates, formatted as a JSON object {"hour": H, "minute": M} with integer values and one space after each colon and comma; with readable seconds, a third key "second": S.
{"hour": 10, "minute": 19}
